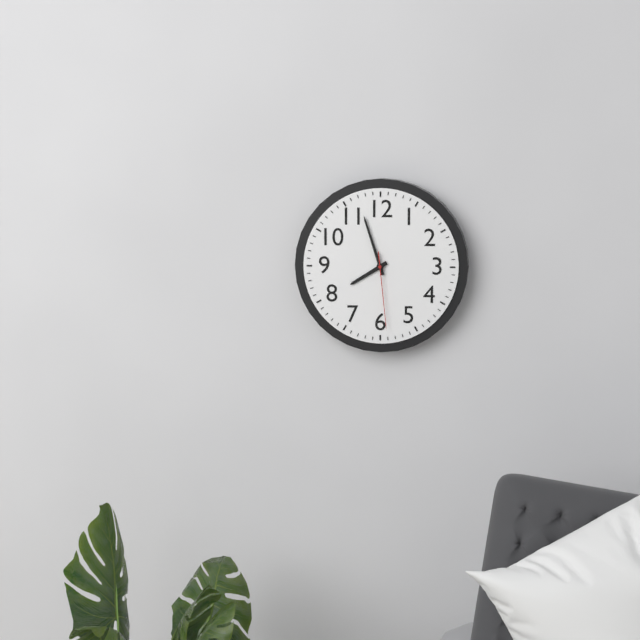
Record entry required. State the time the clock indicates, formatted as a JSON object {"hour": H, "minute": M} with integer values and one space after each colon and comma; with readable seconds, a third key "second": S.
{"hour": 7, "minute": 57, "second": 29}
